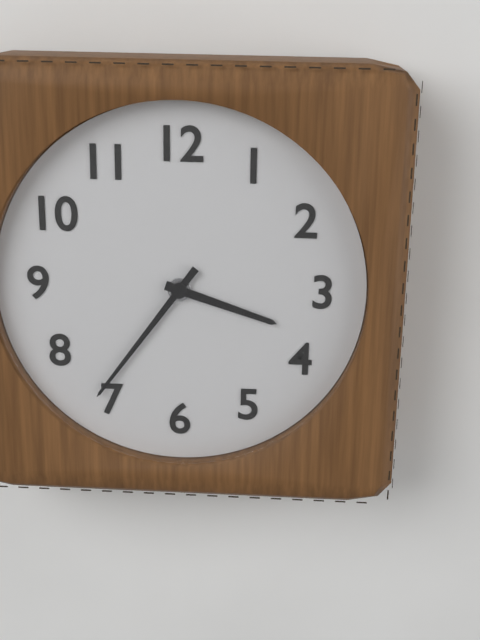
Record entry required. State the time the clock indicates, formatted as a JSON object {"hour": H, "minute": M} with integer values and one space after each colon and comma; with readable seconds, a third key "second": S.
{"hour": 3, "minute": 36}
